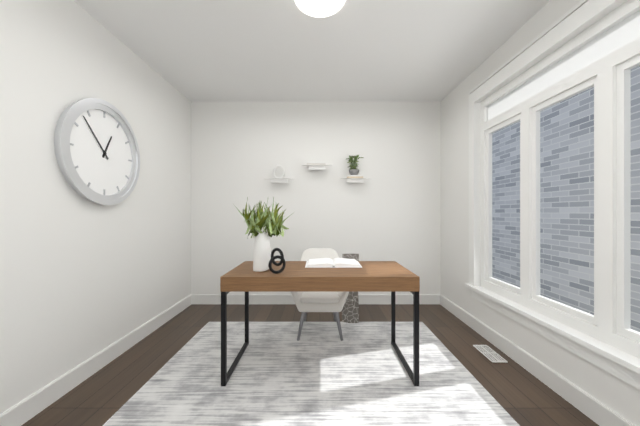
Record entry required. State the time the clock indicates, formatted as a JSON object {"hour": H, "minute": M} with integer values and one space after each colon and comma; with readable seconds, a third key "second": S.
{"hour": 12, "minute": 53}
